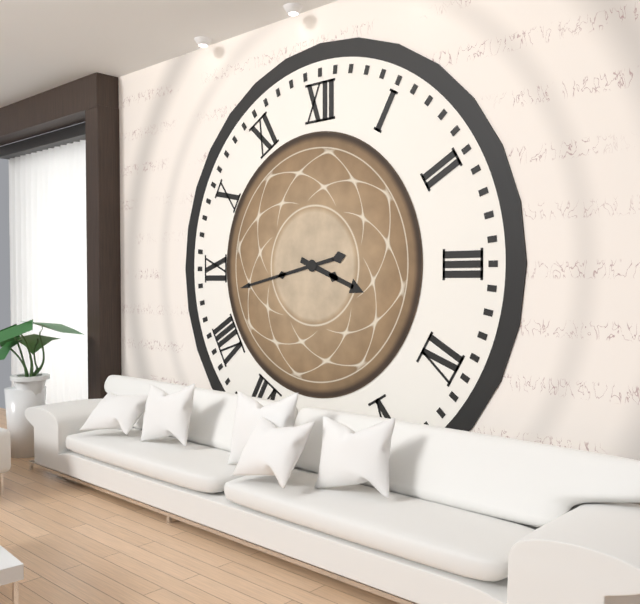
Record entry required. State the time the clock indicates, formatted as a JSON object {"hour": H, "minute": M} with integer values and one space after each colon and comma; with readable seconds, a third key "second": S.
{"hour": 3, "minute": 43}
